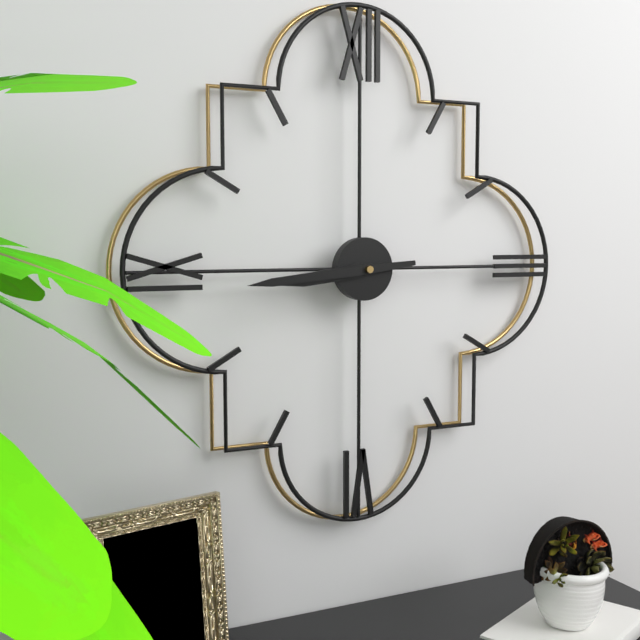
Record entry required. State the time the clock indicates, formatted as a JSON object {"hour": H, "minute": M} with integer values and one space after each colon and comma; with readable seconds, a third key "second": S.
{"hour": 8, "minute": 44}
